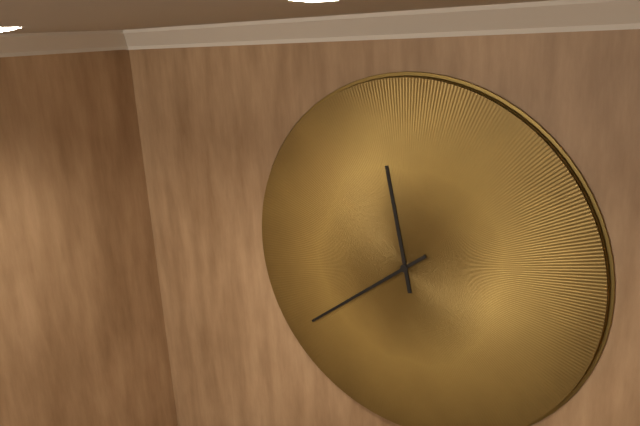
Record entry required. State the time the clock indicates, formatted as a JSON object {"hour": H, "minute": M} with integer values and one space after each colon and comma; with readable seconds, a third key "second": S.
{"hour": 11, "minute": 39}
